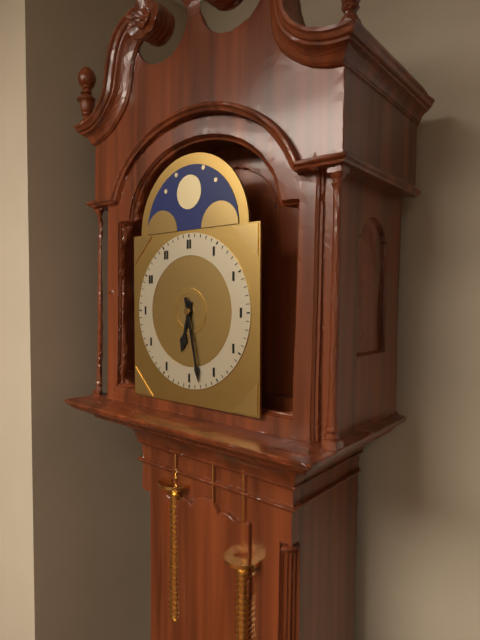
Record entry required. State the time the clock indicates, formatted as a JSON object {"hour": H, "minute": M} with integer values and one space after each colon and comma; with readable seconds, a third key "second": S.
{"hour": 6, "minute": 28}
